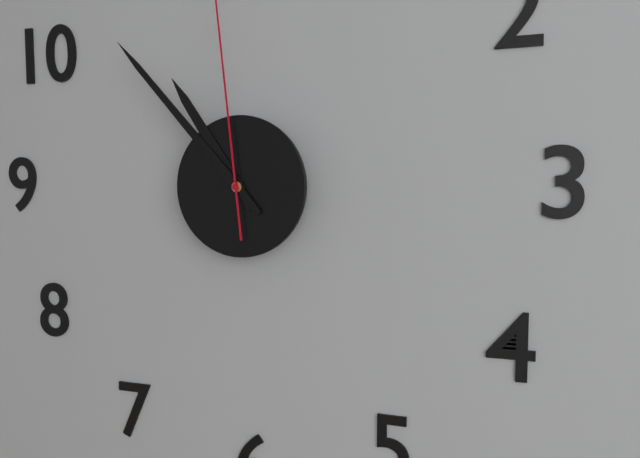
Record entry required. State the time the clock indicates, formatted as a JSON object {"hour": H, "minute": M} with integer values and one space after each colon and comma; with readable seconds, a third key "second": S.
{"hour": 10, "minute": 53}
